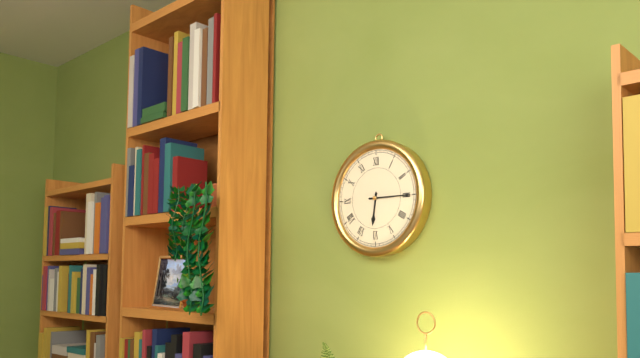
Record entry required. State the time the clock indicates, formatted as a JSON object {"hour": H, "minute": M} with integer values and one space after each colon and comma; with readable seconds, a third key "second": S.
{"hour": 6, "minute": 15}
